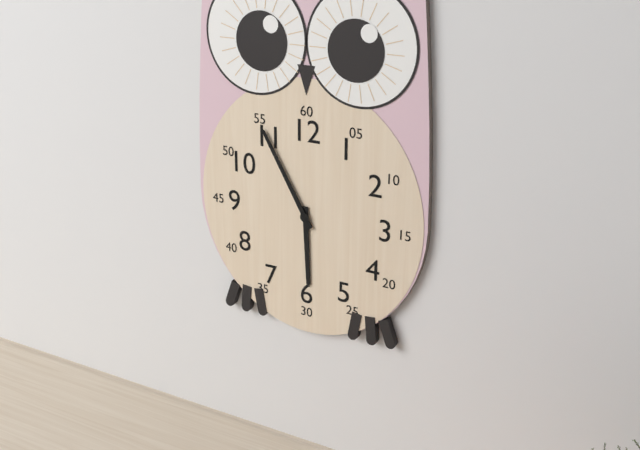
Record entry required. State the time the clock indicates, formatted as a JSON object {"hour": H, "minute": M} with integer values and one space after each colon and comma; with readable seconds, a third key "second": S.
{"hour": 5, "minute": 55}
